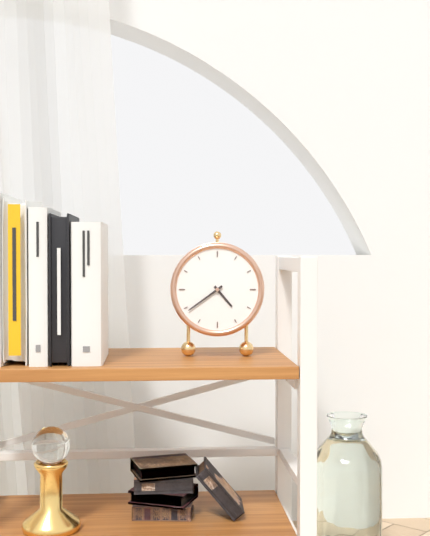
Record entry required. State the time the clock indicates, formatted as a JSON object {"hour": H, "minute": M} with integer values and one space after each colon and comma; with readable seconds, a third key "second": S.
{"hour": 4, "minute": 39}
